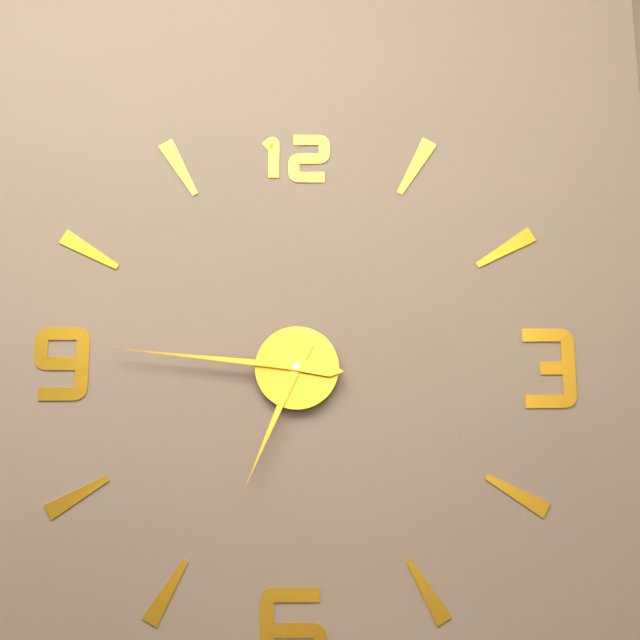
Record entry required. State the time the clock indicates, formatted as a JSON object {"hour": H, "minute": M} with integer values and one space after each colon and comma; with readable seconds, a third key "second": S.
{"hour": 6, "minute": 46}
